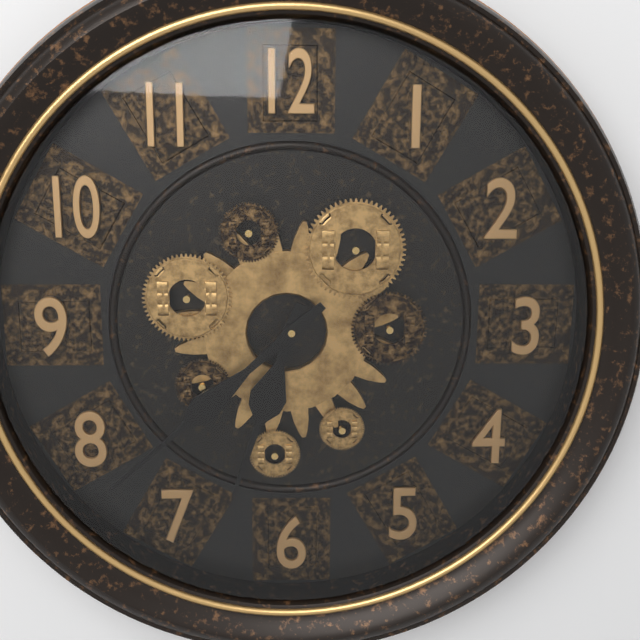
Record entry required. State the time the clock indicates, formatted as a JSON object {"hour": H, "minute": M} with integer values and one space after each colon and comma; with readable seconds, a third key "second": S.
{"hour": 6, "minute": 38}
